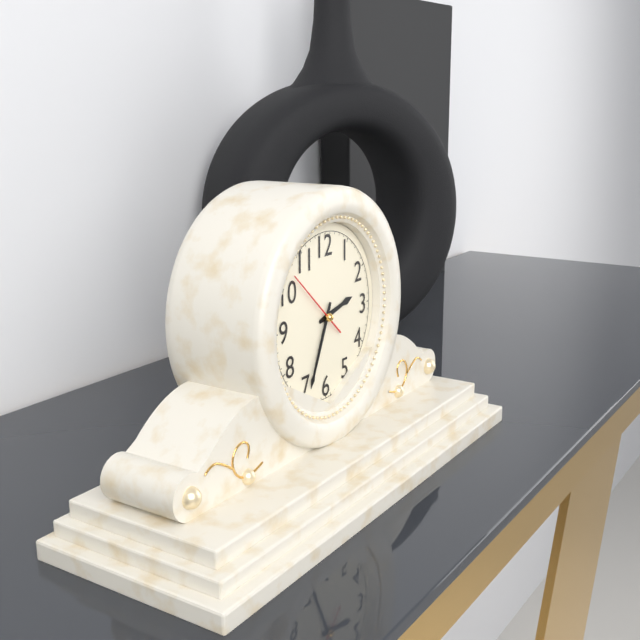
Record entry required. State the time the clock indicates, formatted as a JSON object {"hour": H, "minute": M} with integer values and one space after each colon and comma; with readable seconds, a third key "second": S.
{"hour": 2, "minute": 34, "second": 52}
